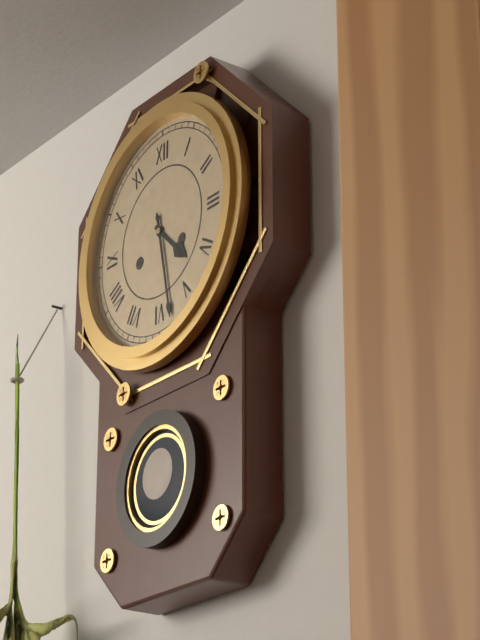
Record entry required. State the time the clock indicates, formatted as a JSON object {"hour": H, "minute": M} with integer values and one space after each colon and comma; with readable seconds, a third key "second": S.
{"hour": 4, "minute": 28}
